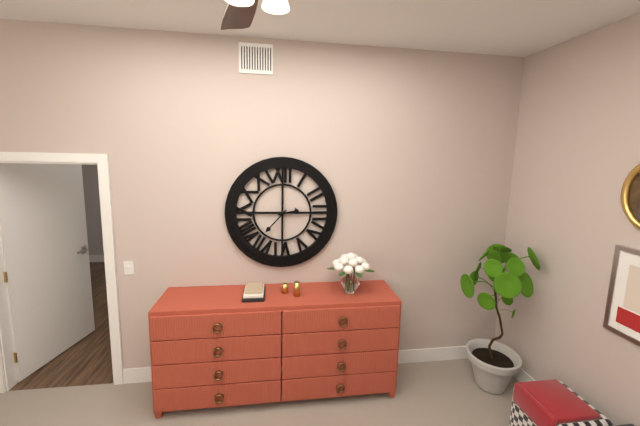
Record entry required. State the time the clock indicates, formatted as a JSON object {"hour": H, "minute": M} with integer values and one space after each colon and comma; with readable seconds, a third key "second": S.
{"hour": 2, "minute": 37}
